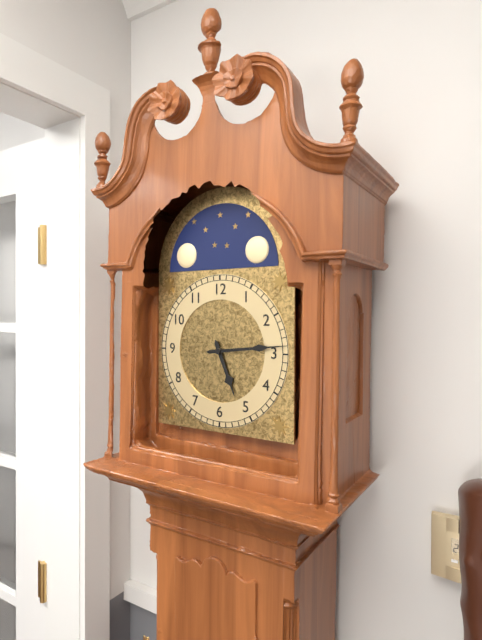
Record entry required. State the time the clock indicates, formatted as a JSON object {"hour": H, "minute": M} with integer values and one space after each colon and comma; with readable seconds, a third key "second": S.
{"hour": 5, "minute": 14}
